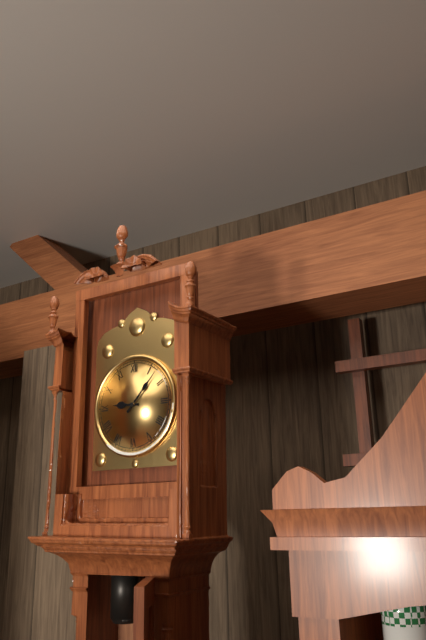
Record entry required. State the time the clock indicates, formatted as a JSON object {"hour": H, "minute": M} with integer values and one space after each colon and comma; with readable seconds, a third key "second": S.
{"hour": 9, "minute": 7}
